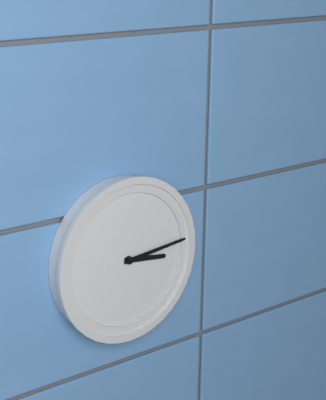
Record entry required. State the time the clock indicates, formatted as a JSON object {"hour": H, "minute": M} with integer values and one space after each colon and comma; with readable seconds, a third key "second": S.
{"hour": 3, "minute": 14}
